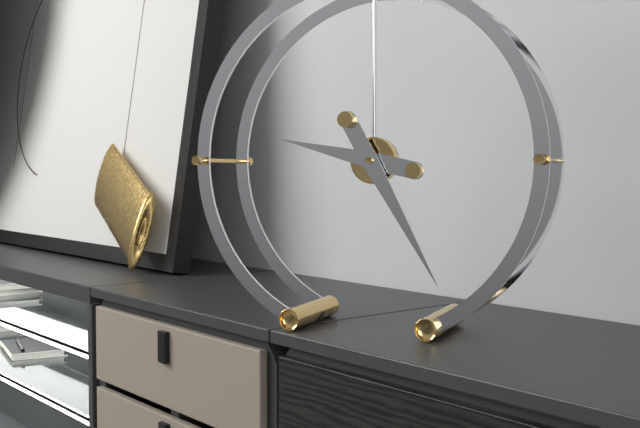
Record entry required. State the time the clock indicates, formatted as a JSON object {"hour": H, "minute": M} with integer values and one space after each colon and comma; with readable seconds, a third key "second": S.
{"hour": 9, "minute": 25}
